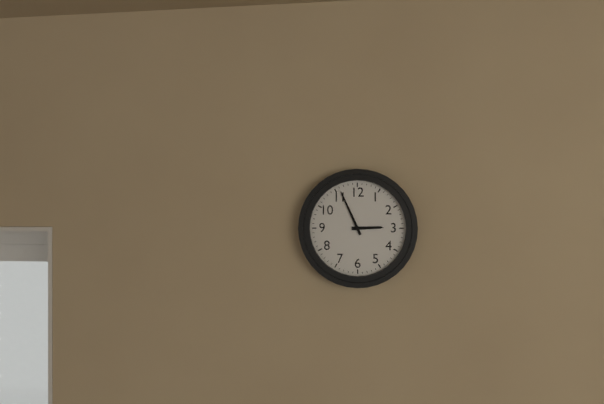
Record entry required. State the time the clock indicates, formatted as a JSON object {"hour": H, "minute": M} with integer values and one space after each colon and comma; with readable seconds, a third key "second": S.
{"hour": 2, "minute": 56}
